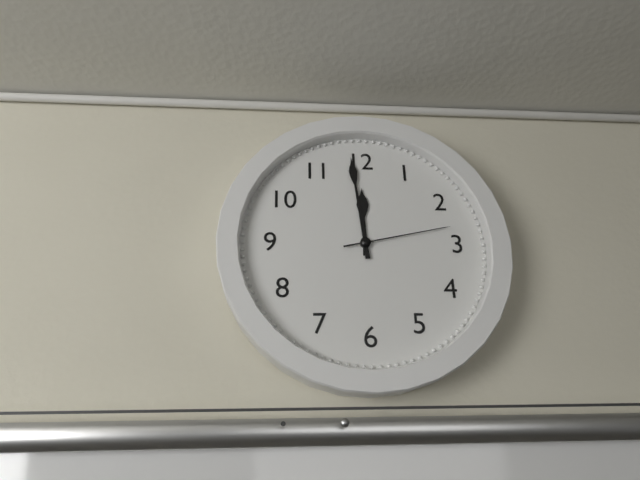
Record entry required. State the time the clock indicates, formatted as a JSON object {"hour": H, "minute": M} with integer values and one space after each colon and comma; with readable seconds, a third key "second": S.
{"hour": 11, "minute": 59, "second": 13}
